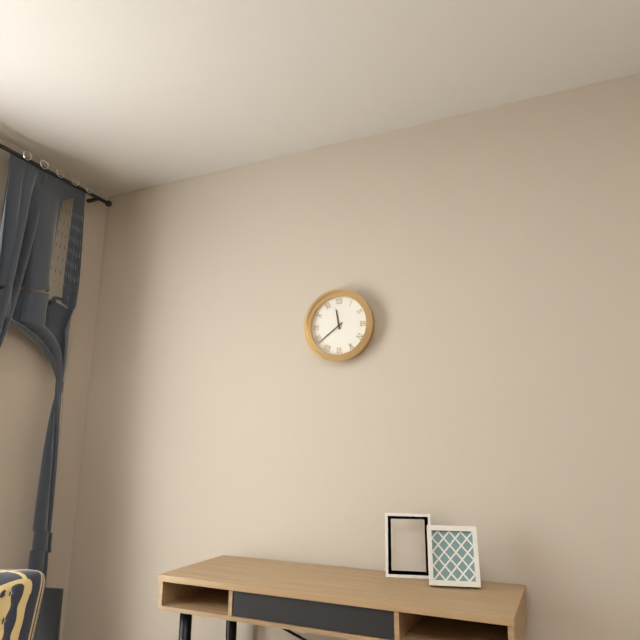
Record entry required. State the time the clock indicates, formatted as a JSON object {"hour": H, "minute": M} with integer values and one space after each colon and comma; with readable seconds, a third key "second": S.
{"hour": 11, "minute": 39}
